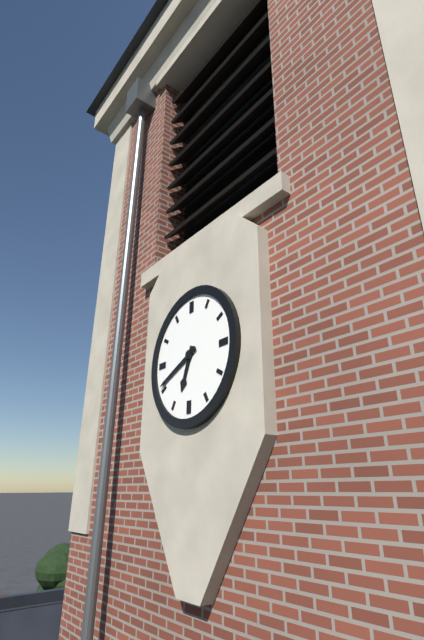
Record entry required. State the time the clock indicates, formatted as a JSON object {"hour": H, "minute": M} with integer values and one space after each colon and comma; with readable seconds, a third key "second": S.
{"hour": 6, "minute": 41}
